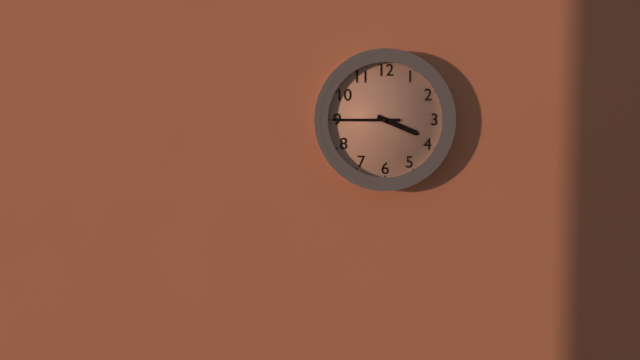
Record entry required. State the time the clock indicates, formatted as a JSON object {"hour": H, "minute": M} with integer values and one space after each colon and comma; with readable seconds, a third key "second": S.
{"hour": 3, "minute": 45}
